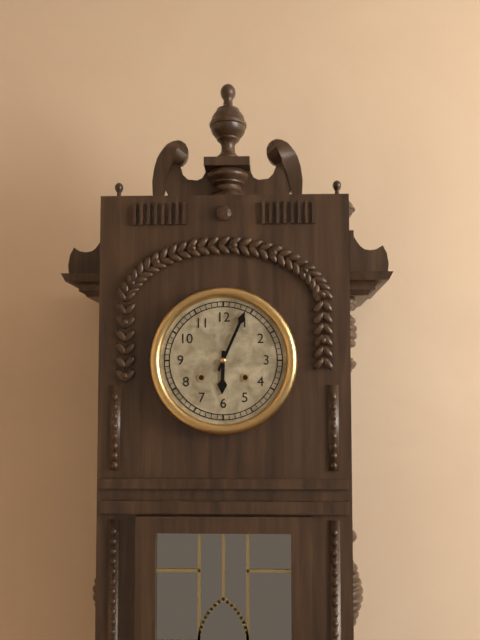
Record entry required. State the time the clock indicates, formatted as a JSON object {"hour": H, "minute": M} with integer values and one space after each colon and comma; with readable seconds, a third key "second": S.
{"hour": 6, "minute": 4}
